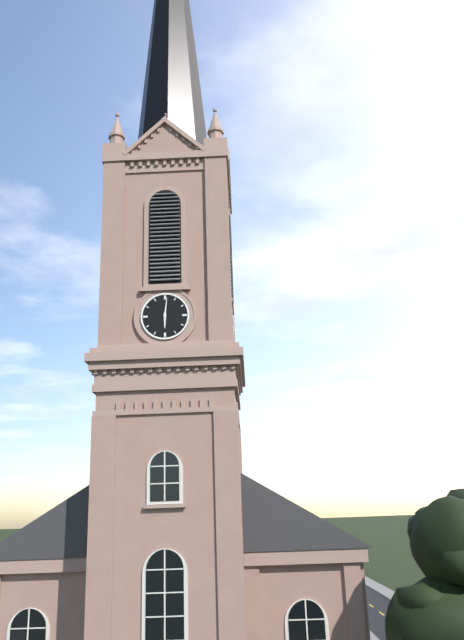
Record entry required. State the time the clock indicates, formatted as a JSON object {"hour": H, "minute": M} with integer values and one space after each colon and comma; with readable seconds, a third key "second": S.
{"hour": 6, "minute": 1}
